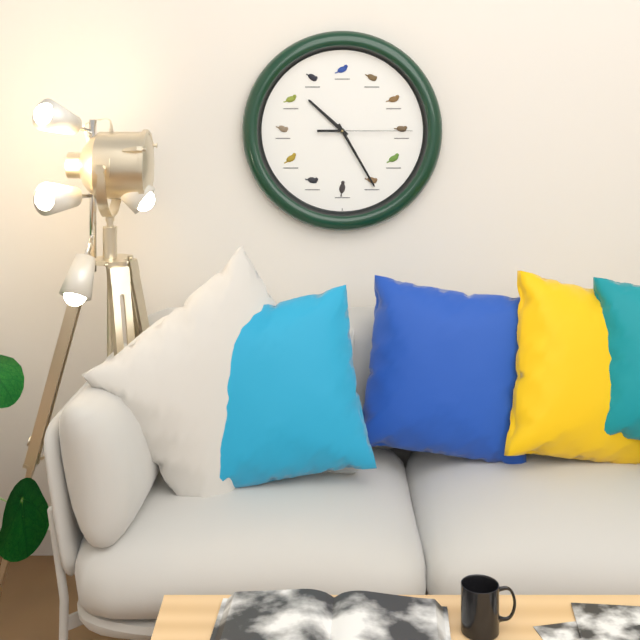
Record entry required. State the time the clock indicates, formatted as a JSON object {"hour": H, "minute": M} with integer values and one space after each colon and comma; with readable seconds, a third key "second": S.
{"hour": 10, "minute": 25, "second": 15}
